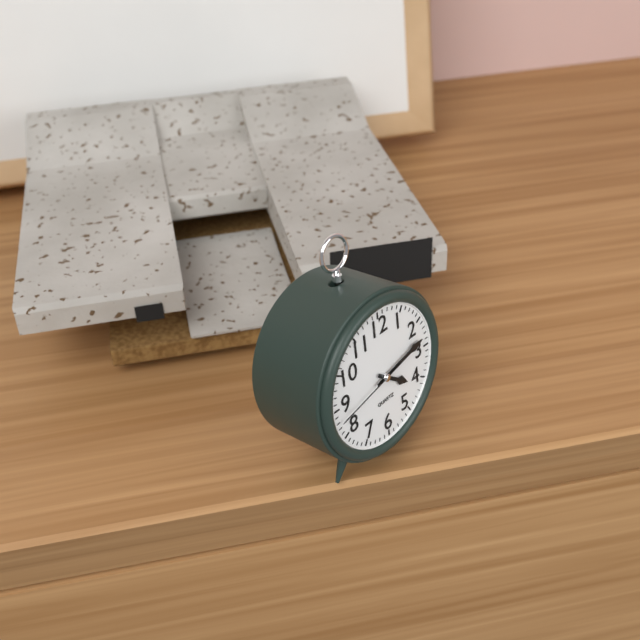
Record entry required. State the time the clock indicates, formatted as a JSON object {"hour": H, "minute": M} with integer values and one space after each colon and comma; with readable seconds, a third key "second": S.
{"hour": 4, "minute": 13, "second": 43}
